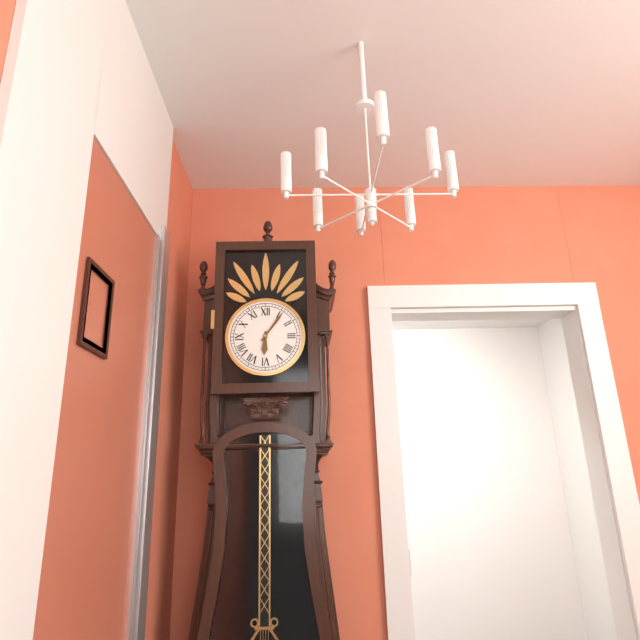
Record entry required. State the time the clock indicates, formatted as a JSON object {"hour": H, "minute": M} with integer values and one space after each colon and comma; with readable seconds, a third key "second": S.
{"hour": 6, "minute": 6}
